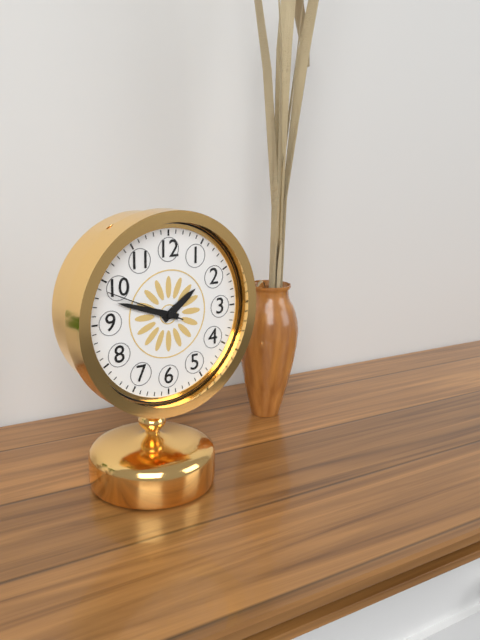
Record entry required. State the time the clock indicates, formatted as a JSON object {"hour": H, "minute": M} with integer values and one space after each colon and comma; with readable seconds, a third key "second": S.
{"hour": 1, "minute": 48, "second": 49}
